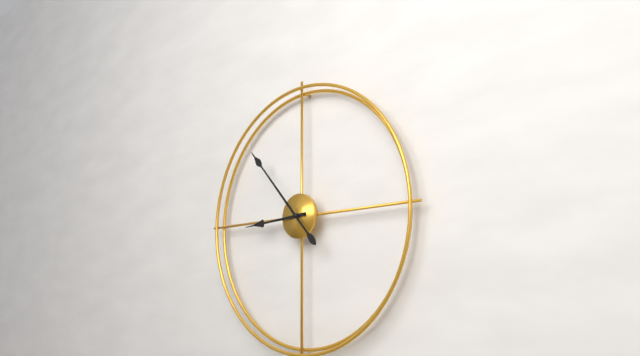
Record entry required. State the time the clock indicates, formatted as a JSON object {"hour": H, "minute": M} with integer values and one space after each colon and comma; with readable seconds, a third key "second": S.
{"hour": 8, "minute": 53}
